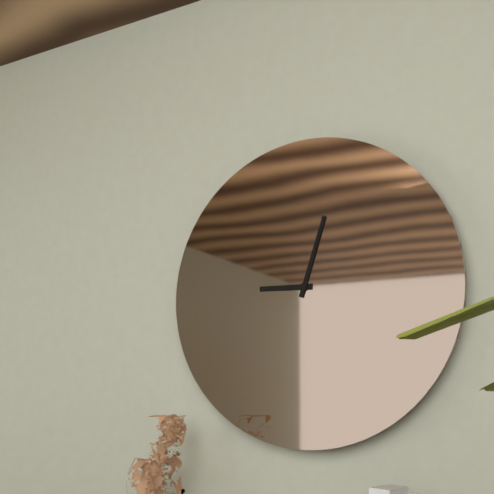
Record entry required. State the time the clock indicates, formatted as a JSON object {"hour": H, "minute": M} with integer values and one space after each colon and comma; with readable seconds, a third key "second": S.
{"hour": 9, "minute": 3}
